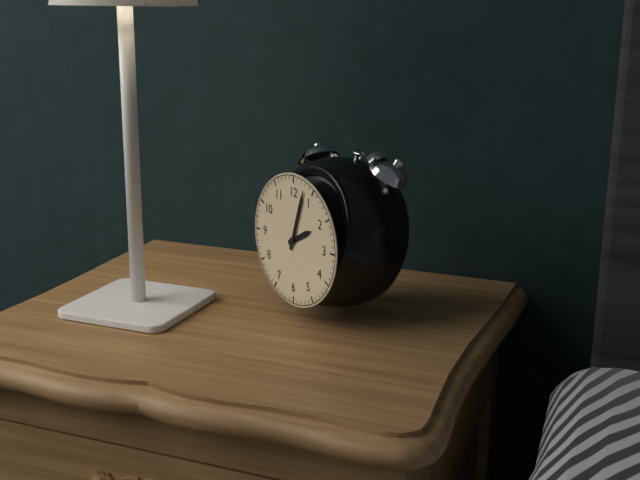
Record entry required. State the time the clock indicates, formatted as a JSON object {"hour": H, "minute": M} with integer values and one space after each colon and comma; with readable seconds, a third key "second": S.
{"hour": 2, "minute": 3}
